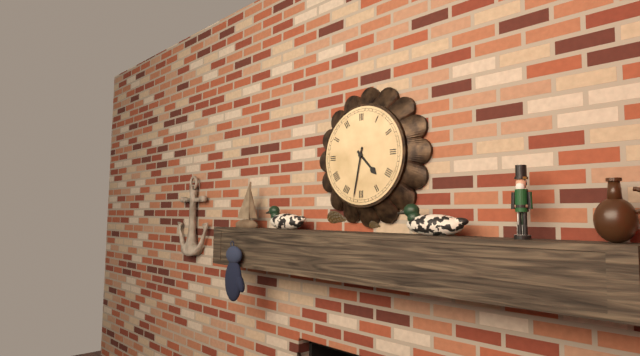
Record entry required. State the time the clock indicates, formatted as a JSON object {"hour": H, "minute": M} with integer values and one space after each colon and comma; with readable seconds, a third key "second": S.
{"hour": 4, "minute": 32}
